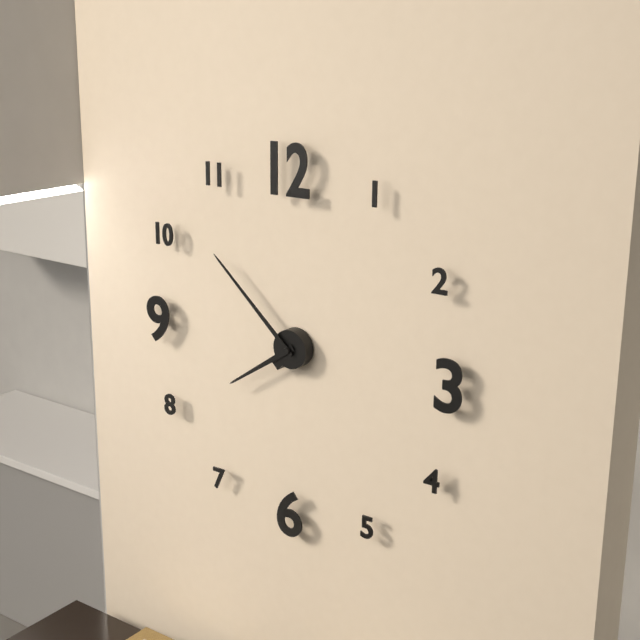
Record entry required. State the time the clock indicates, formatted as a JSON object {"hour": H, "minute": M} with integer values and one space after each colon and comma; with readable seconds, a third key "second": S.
{"hour": 7, "minute": 52}
